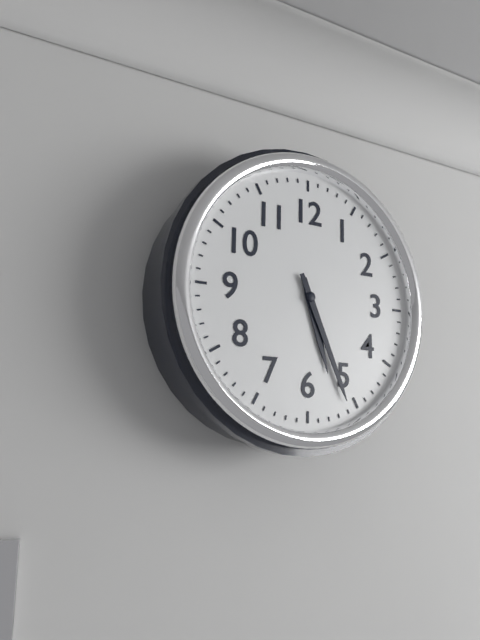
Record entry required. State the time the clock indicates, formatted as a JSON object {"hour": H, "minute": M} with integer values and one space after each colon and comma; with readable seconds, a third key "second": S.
{"hour": 5, "minute": 26}
